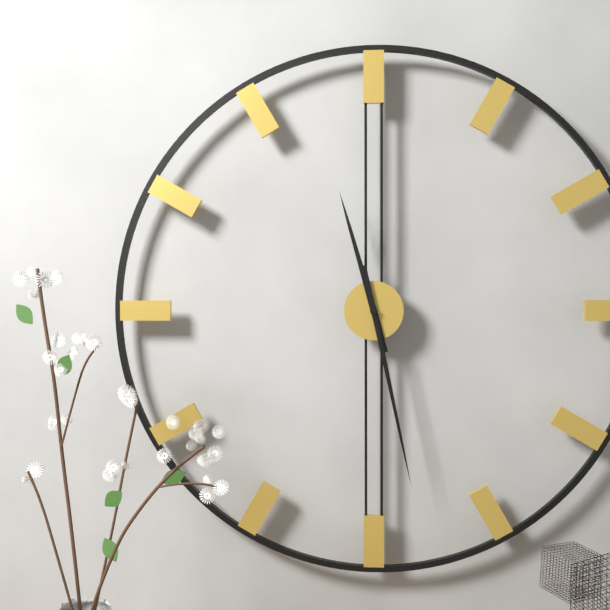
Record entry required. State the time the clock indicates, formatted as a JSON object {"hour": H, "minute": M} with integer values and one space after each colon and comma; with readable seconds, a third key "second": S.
{"hour": 11, "minute": 28}
